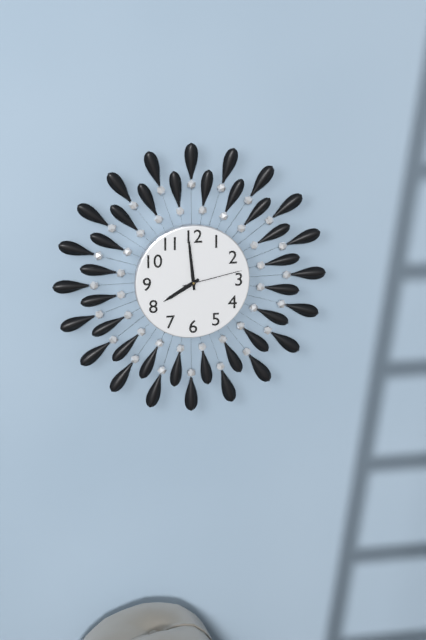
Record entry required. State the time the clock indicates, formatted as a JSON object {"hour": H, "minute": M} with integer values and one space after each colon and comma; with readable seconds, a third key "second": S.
{"hour": 7, "minute": 59, "second": 13}
